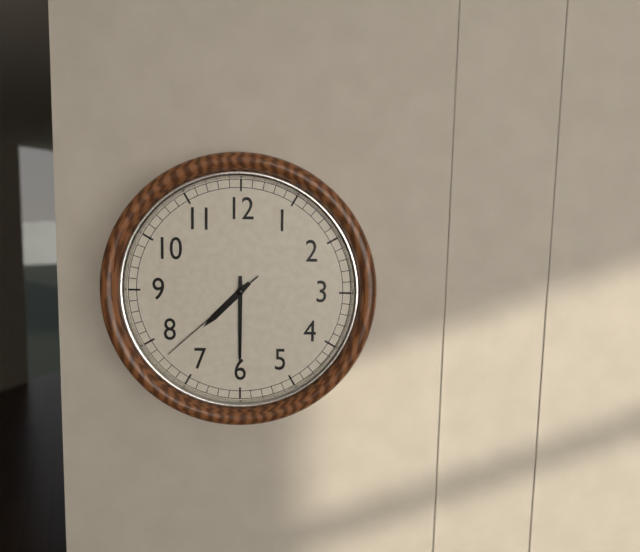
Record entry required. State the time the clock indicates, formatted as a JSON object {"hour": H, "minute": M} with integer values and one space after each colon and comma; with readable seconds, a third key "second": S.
{"hour": 7, "minute": 30, "second": 38}
